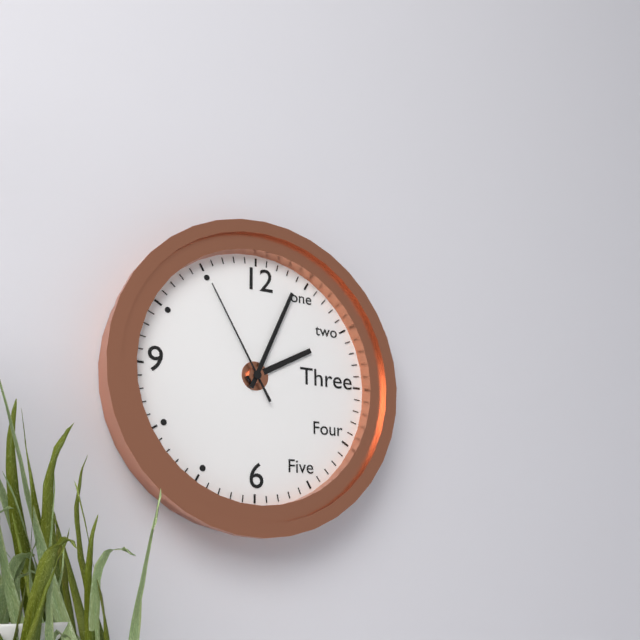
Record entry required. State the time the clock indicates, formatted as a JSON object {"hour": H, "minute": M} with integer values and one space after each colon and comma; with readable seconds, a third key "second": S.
{"hour": 2, "minute": 4, "second": 55}
